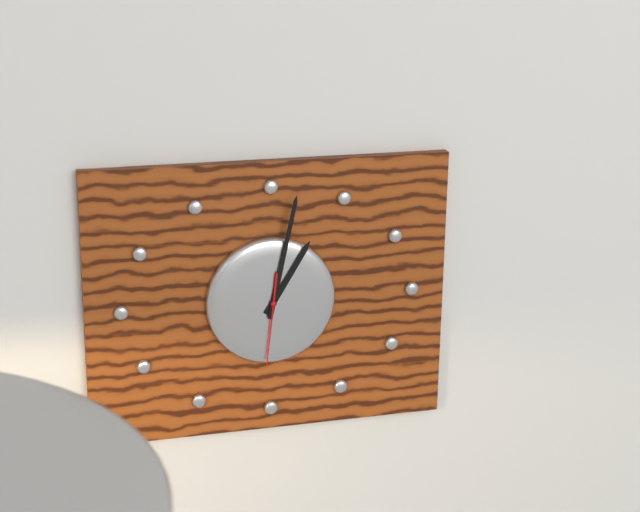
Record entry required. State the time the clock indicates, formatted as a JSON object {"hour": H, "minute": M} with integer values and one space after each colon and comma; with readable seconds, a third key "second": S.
{"hour": 1, "minute": 2, "second": 31}
